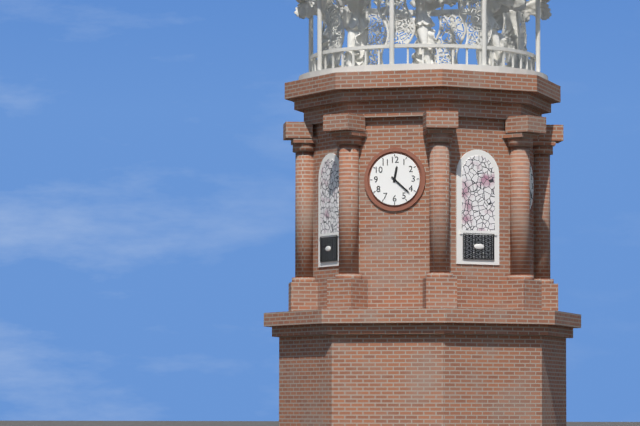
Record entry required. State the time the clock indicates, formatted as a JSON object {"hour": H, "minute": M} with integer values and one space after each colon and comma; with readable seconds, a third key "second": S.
{"hour": 12, "minute": 22}
